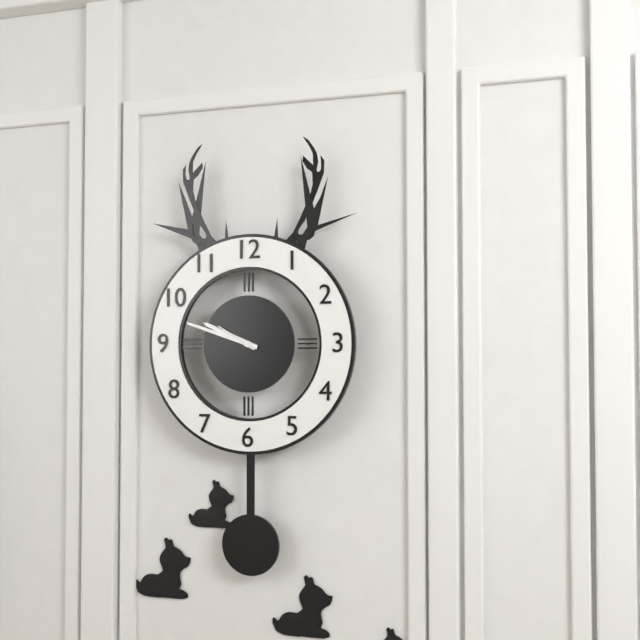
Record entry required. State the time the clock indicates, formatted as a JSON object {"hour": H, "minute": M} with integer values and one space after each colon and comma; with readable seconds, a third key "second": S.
{"hour": 9, "minute": 48}
